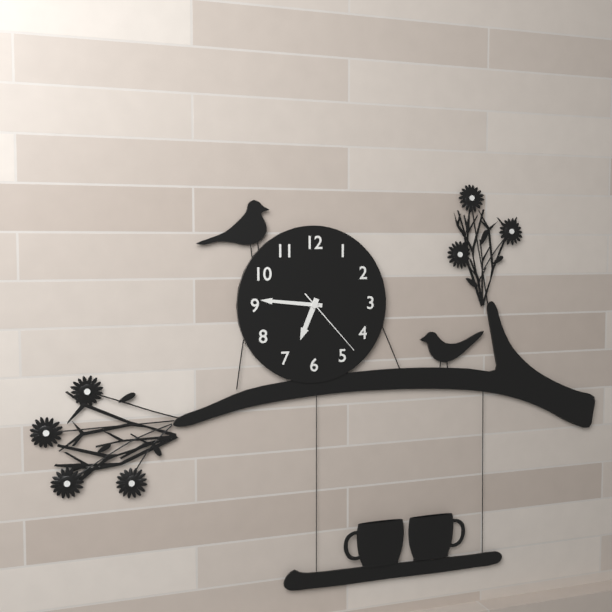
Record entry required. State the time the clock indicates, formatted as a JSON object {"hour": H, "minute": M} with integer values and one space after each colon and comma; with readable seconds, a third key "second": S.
{"hour": 6, "minute": 46, "second": 23}
